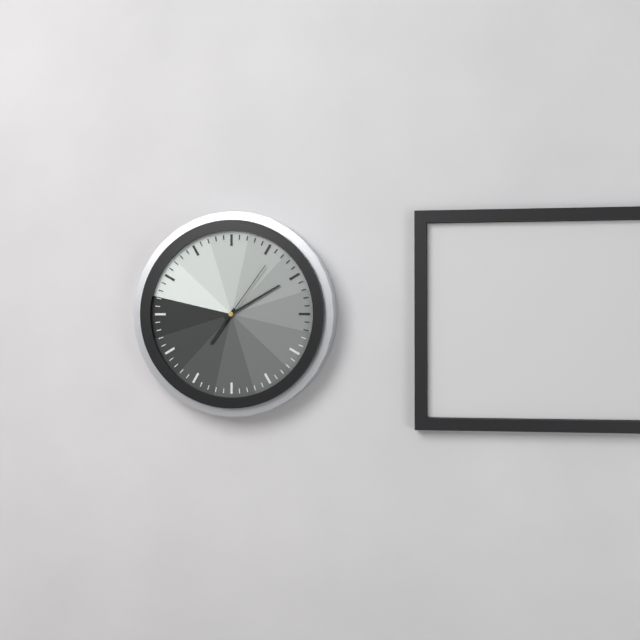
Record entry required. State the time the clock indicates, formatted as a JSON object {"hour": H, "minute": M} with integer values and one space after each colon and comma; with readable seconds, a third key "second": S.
{"hour": 7, "minute": 10, "second": 6}
